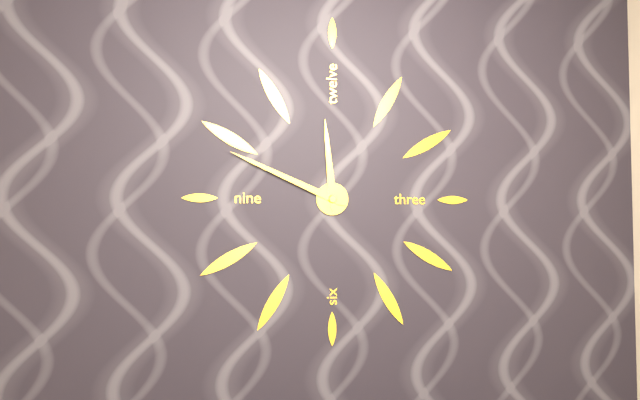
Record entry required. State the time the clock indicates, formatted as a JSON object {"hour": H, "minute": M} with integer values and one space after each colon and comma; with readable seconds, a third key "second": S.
{"hour": 11, "minute": 49}
